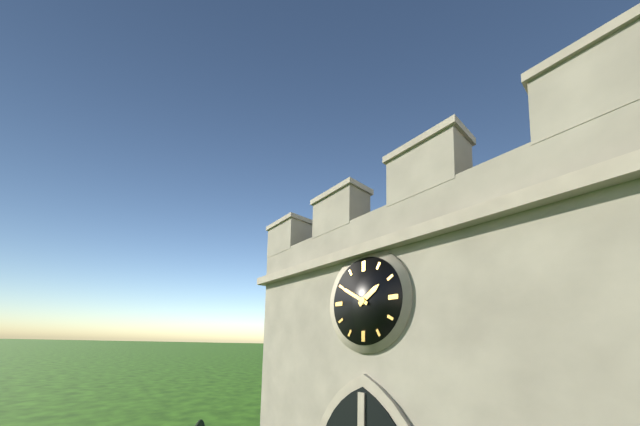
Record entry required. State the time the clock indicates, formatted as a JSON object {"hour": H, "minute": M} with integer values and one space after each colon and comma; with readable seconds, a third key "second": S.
{"hour": 1, "minute": 50}
